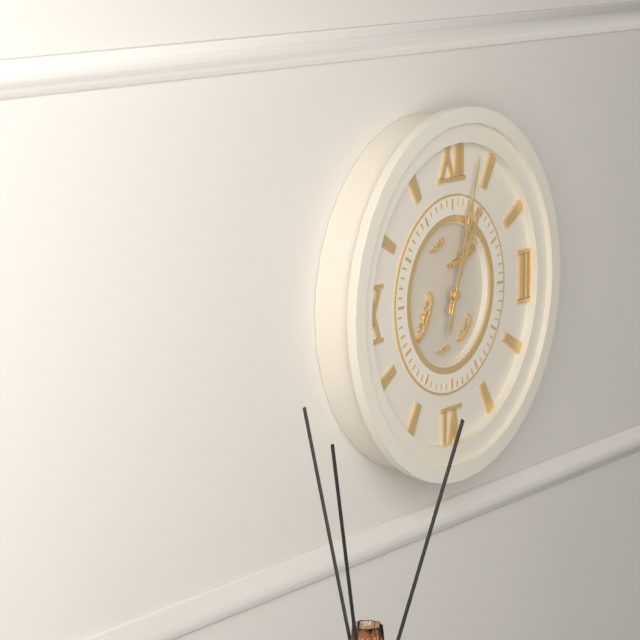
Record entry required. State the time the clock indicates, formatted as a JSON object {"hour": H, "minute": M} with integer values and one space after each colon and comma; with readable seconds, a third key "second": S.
{"hour": 1, "minute": 3}
